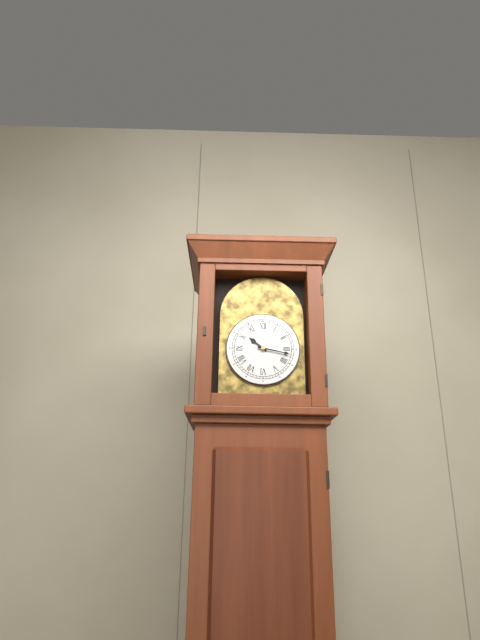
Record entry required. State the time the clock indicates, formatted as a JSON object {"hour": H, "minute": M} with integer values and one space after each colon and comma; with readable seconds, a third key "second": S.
{"hour": 10, "minute": 17}
